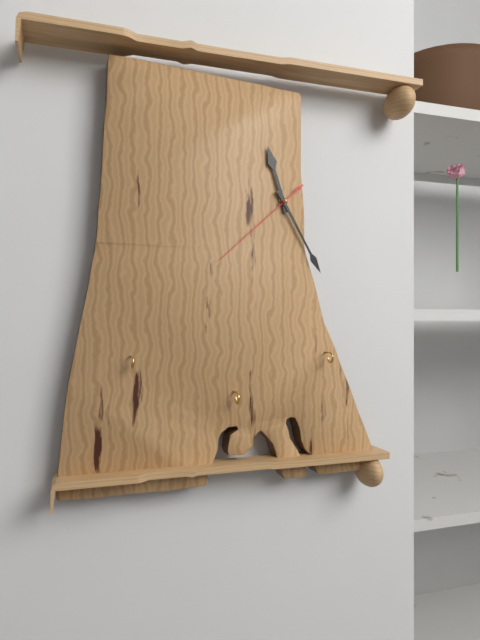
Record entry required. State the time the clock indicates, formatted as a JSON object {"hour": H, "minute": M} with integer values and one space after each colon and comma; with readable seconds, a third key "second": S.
{"hour": 11, "minute": 25, "second": 38}
